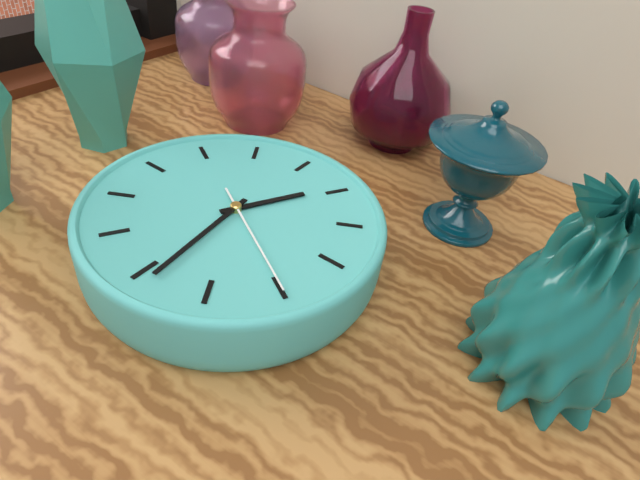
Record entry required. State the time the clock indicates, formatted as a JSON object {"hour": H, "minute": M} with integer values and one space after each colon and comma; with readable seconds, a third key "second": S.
{"hour": 5, "minute": 54, "second": 45}
